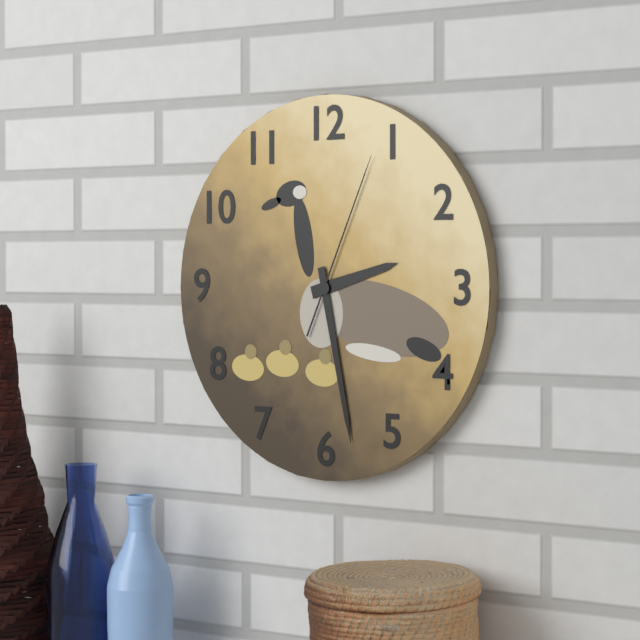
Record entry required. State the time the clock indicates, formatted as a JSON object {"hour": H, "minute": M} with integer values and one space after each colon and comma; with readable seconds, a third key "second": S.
{"hour": 2, "minute": 28, "second": 4}
